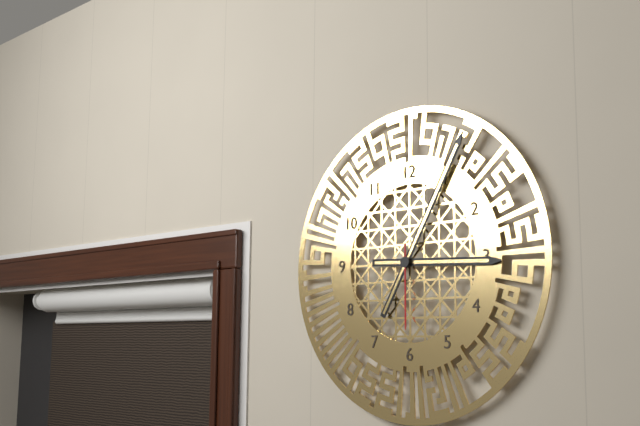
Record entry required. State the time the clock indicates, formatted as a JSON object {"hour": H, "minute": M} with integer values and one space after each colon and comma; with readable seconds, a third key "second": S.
{"hour": 3, "minute": 5, "second": 30}
